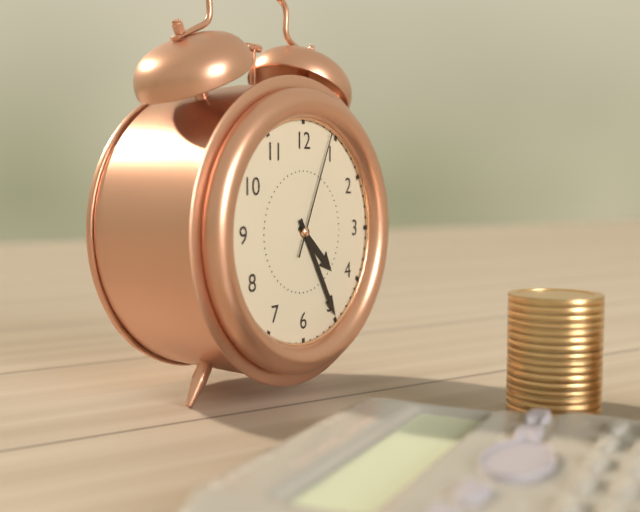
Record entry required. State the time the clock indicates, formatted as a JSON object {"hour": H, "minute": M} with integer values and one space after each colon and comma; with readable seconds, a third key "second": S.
{"hour": 4, "minute": 25, "second": 4}
